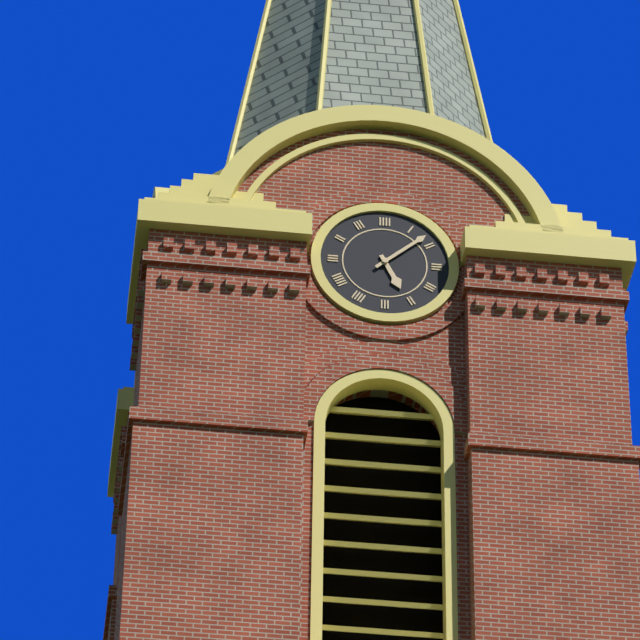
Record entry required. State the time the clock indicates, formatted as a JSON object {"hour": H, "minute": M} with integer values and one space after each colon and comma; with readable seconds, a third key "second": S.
{"hour": 5, "minute": 8}
